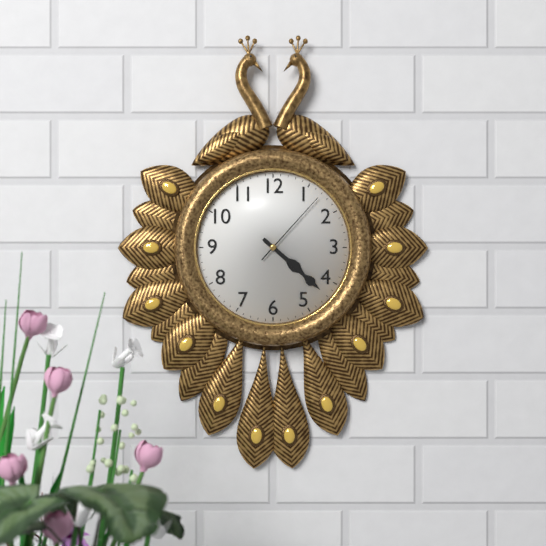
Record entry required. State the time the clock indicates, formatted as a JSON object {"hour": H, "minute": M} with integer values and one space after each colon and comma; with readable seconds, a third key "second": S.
{"hour": 4, "minute": 22, "second": 7}
